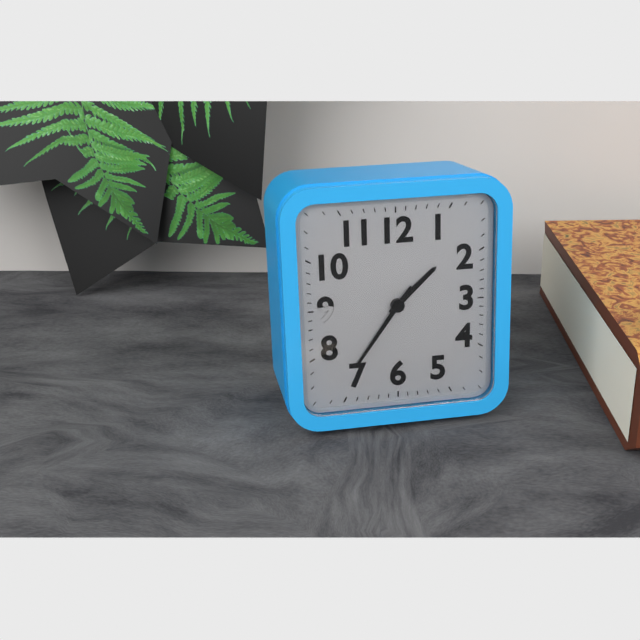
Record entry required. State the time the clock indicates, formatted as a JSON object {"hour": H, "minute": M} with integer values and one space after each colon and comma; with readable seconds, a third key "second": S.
{"hour": 1, "minute": 36}
